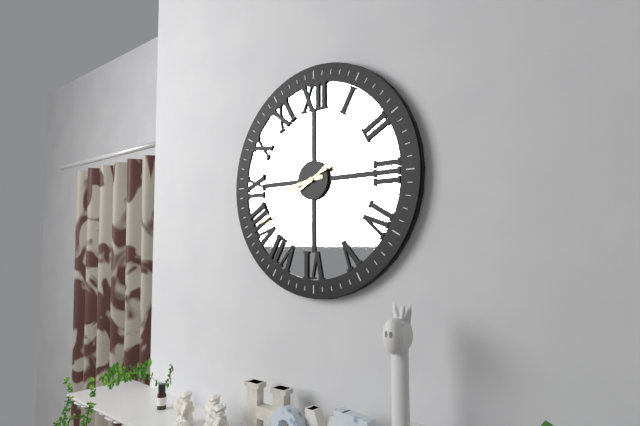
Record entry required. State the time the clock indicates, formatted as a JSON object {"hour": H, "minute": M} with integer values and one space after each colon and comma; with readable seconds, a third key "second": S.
{"hour": 8, "minute": 40}
